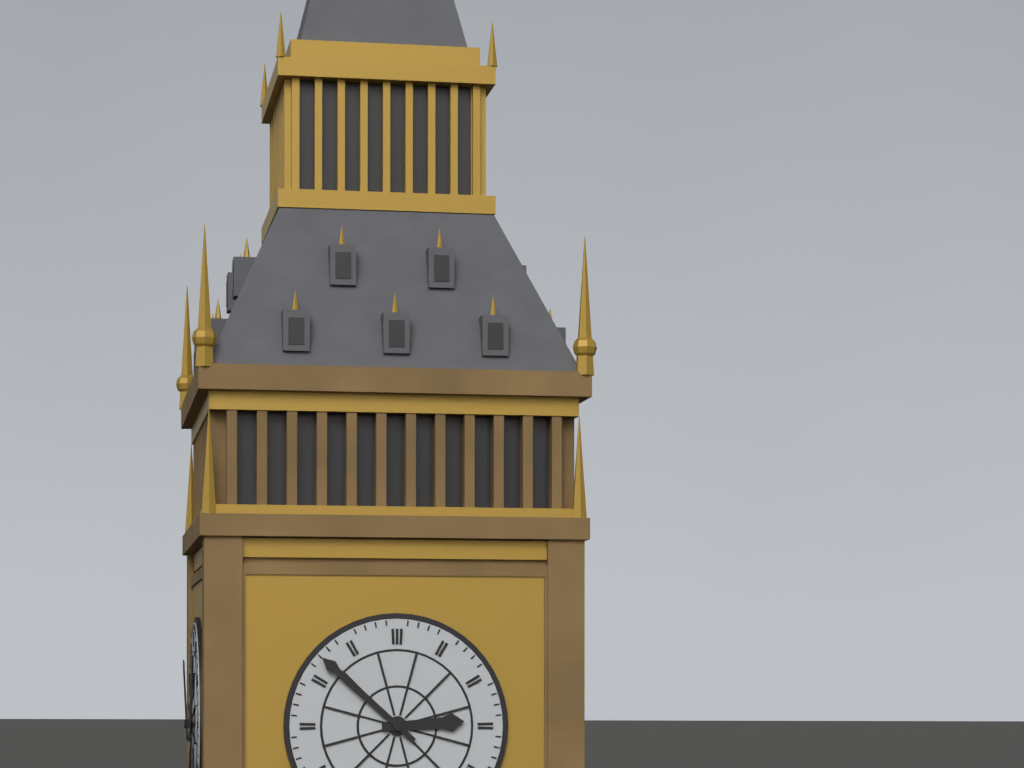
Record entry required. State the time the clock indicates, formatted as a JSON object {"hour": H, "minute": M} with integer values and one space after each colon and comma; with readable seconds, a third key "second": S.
{"hour": 2, "minute": 52}
